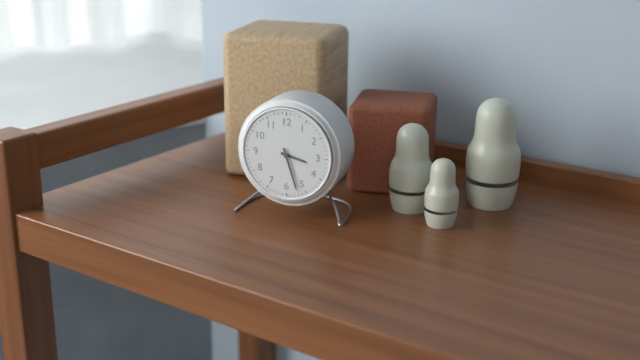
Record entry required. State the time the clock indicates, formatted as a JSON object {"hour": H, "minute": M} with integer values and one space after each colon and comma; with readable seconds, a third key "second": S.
{"hour": 3, "minute": 27}
